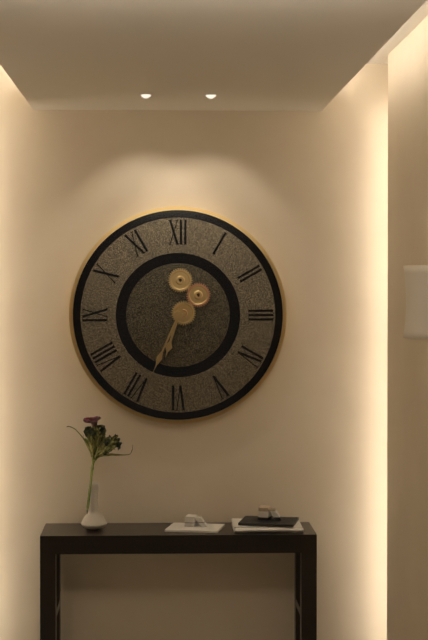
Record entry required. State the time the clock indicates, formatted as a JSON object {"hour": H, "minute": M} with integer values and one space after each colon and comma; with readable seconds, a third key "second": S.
{"hour": 6, "minute": 34}
